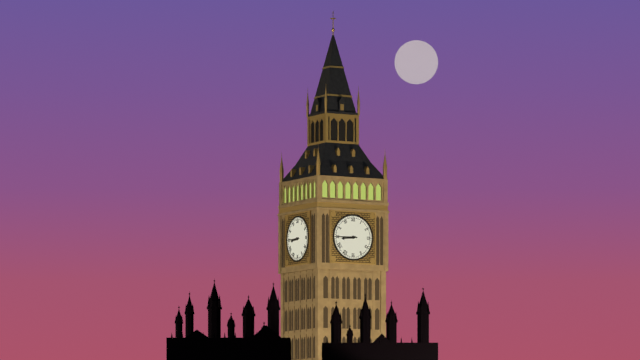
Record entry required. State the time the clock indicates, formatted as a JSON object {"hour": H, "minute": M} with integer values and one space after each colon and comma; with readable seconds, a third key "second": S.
{"hour": 8, "minute": 45}
